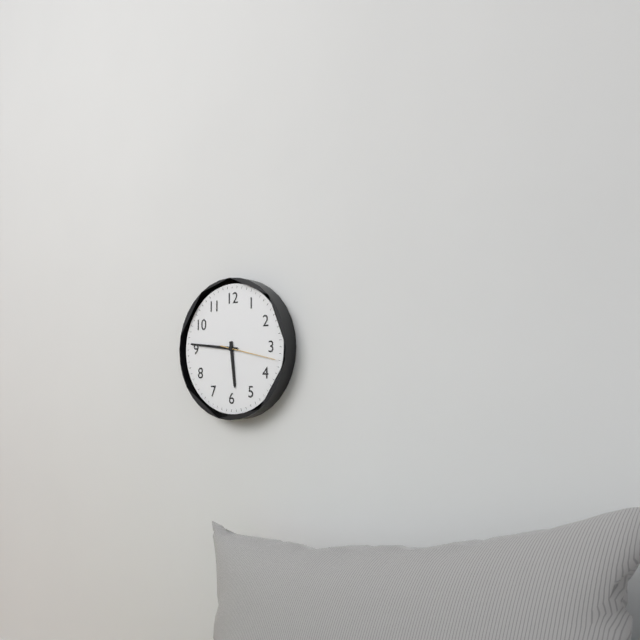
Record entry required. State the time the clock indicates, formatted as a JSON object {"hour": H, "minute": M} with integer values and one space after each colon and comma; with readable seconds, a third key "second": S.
{"hour": 5, "minute": 46, "second": 17}
